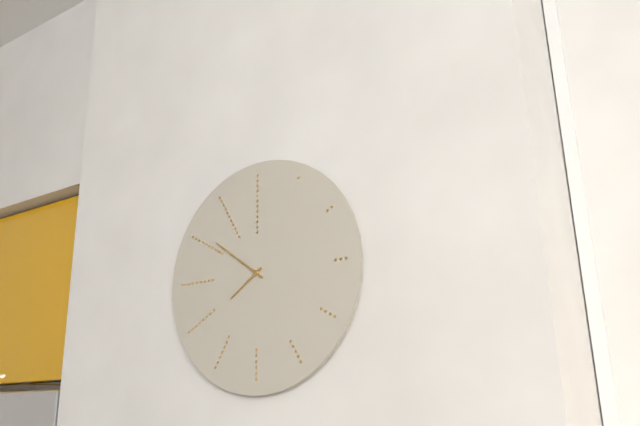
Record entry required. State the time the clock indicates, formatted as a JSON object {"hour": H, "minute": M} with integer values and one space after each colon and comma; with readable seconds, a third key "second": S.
{"hour": 7, "minute": 51}
